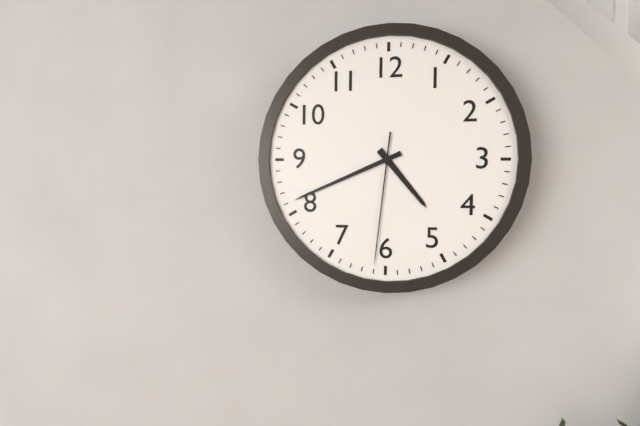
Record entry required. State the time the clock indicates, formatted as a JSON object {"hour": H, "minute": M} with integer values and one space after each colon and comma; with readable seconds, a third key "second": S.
{"hour": 4, "minute": 41, "second": 31}
